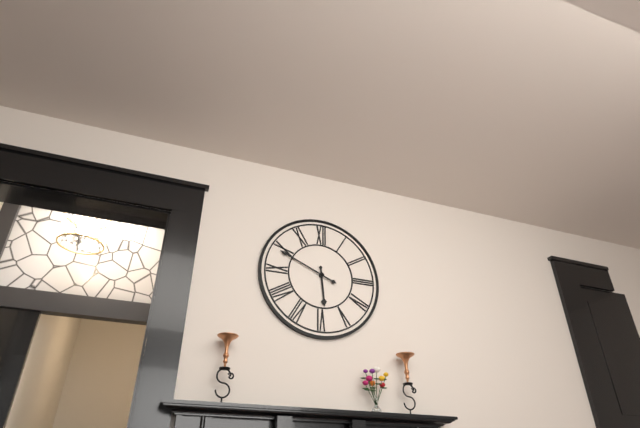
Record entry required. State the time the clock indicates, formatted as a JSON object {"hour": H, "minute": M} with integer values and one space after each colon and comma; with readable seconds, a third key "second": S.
{"hour": 5, "minute": 49}
